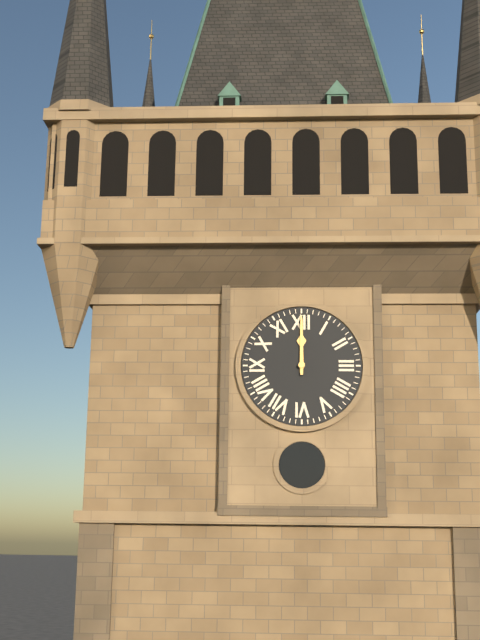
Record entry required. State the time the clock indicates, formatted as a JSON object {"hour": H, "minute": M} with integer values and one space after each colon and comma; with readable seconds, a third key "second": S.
{"hour": 12, "minute": 0}
